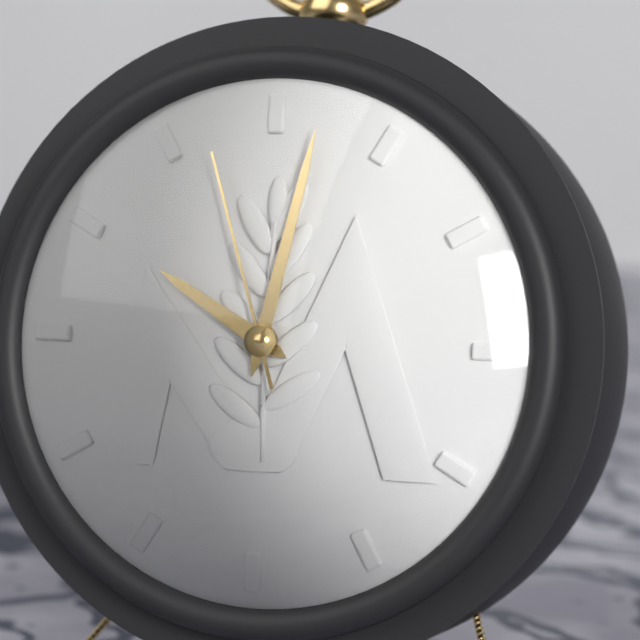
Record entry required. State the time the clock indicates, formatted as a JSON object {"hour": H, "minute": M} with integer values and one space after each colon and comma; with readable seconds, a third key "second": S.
{"hour": 10, "minute": 2, "second": 57}
